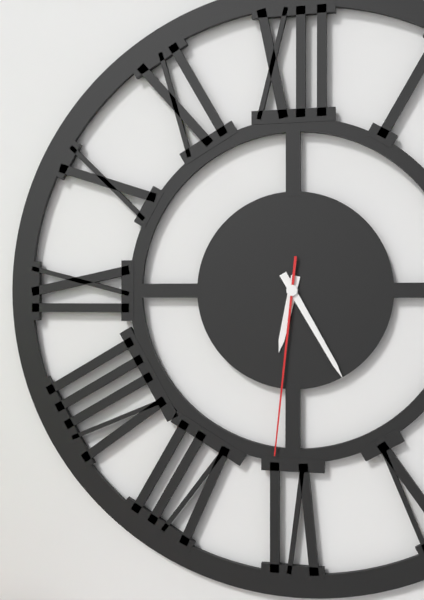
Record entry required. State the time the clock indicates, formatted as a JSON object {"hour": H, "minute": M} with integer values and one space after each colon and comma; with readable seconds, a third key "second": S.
{"hour": 6, "minute": 25, "second": 31}
